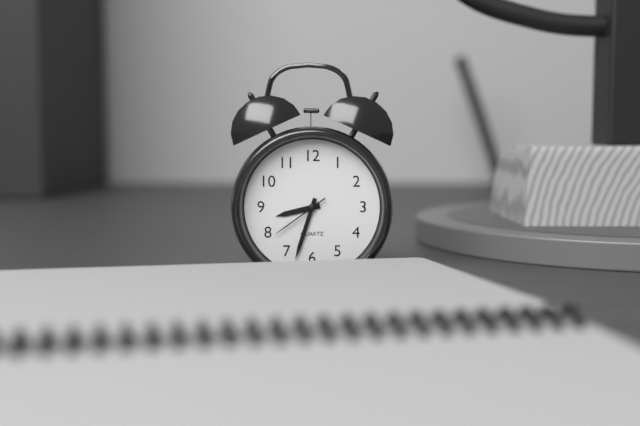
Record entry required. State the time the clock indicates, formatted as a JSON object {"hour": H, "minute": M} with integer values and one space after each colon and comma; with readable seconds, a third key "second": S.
{"hour": 8, "minute": 33, "second": 39}
